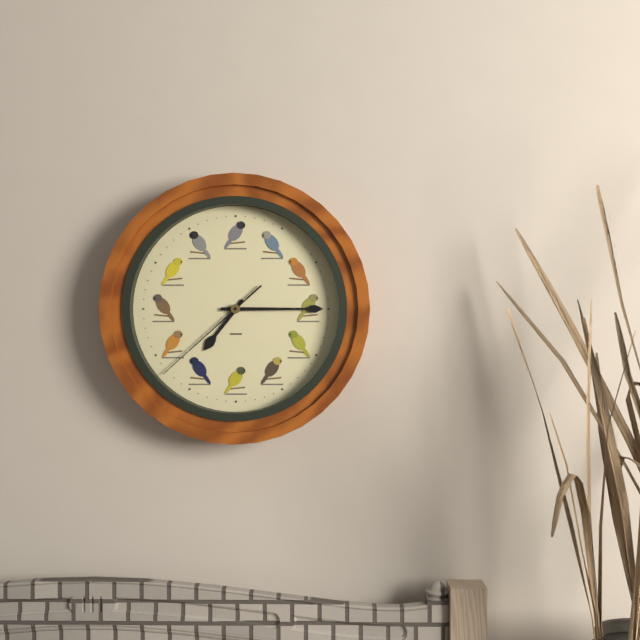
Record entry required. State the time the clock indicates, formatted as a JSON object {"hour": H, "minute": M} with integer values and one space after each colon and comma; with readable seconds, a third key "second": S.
{"hour": 7, "minute": 15, "second": 38}
